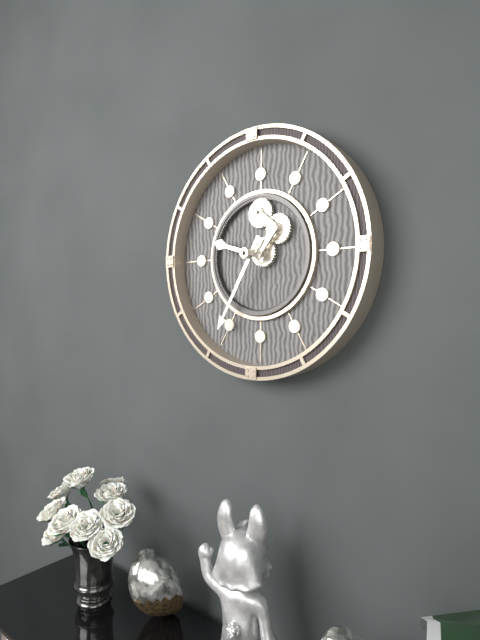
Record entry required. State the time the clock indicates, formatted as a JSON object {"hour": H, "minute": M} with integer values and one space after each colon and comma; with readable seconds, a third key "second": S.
{"hour": 9, "minute": 35}
